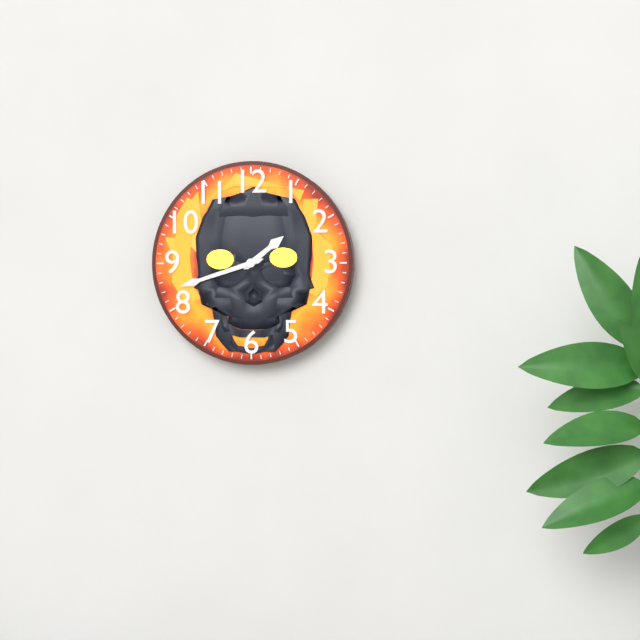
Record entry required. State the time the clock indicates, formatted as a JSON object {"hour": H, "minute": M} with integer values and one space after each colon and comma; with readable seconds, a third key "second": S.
{"hour": 1, "minute": 42}
